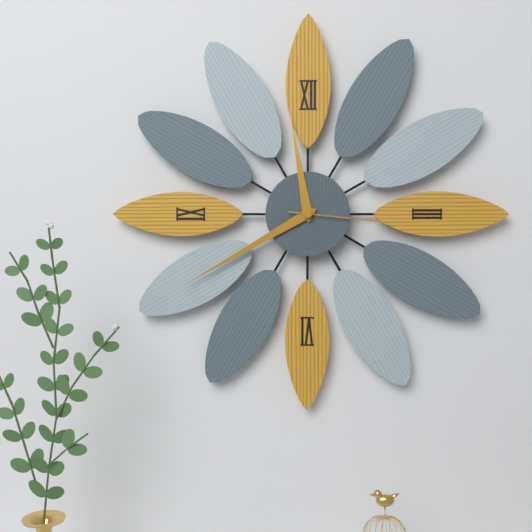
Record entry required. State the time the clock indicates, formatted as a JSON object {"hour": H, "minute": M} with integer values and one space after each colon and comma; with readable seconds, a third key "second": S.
{"hour": 11, "minute": 40, "second": 16}
